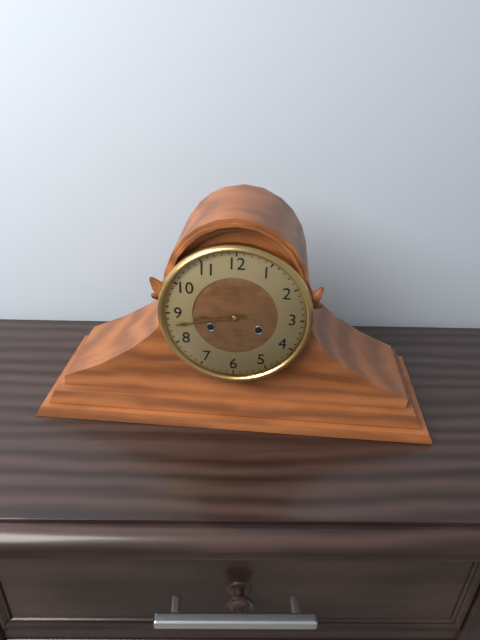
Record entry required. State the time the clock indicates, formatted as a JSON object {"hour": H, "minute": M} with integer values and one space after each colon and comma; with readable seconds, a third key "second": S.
{"hour": 8, "minute": 43}
